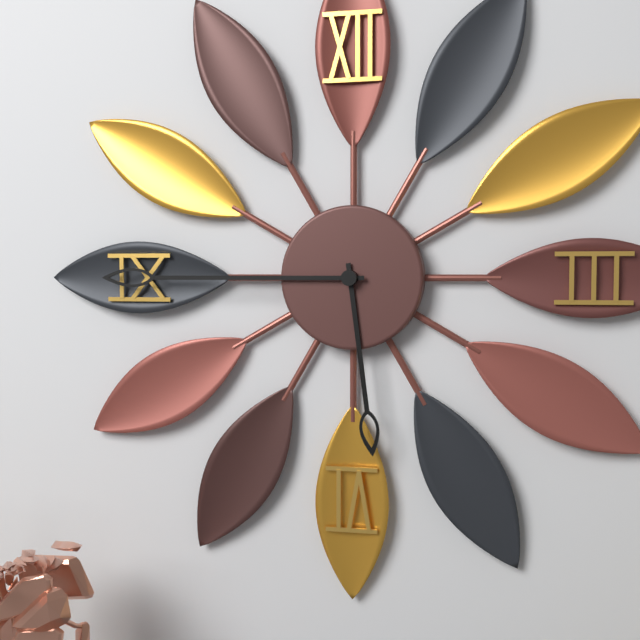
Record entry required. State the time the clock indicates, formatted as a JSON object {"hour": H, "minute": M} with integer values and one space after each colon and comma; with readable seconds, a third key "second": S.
{"hour": 5, "minute": 45}
